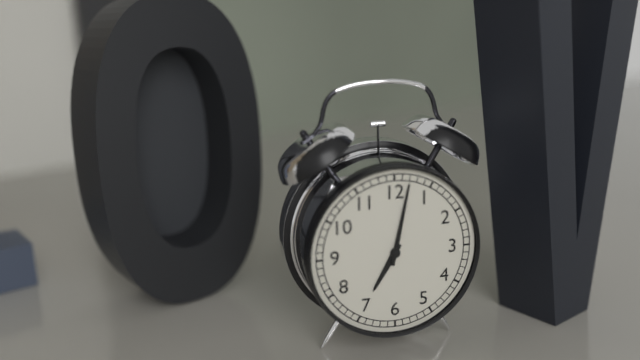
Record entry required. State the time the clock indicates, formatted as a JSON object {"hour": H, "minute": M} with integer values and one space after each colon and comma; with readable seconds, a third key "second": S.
{"hour": 7, "minute": 2}
